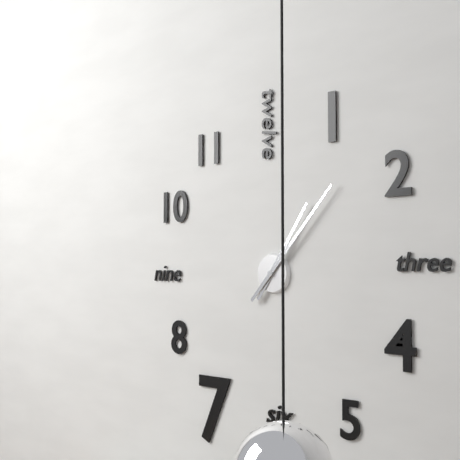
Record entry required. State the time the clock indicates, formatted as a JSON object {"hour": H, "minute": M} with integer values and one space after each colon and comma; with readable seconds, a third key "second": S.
{"hour": 1, "minute": 7}
